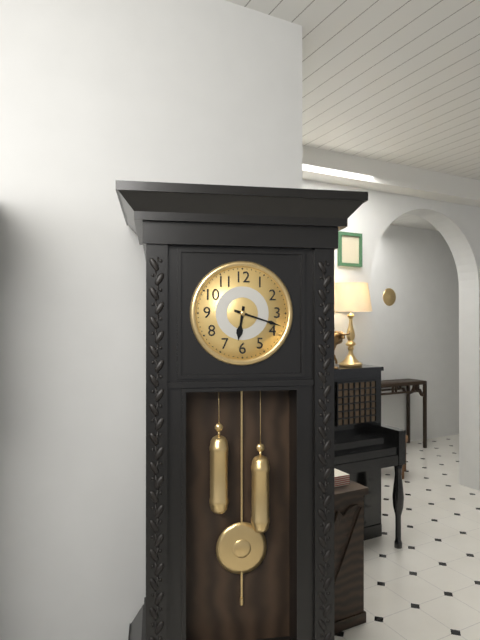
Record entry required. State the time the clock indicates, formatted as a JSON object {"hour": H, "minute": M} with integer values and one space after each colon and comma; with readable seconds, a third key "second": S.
{"hour": 6, "minute": 18}
